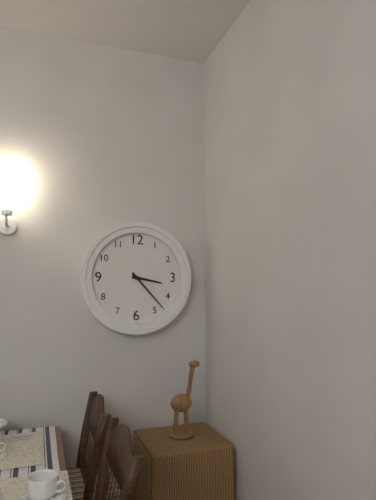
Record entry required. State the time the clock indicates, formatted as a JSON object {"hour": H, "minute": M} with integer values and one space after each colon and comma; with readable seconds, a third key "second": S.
{"hour": 3, "minute": 23}
